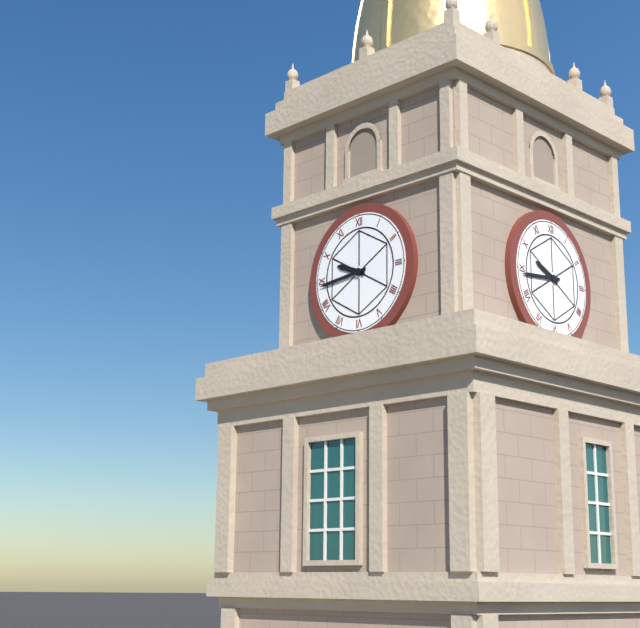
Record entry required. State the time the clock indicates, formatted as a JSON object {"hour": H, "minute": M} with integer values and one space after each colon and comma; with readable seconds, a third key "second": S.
{"hour": 9, "minute": 44}
